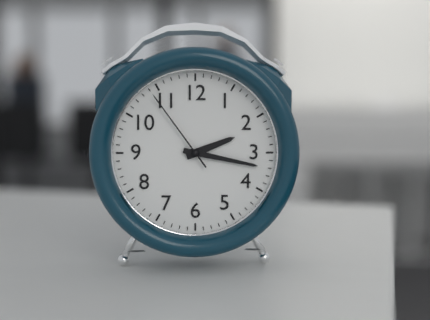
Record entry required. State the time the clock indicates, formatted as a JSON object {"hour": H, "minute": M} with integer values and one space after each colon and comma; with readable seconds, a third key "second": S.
{"hour": 2, "minute": 17, "second": 54}
